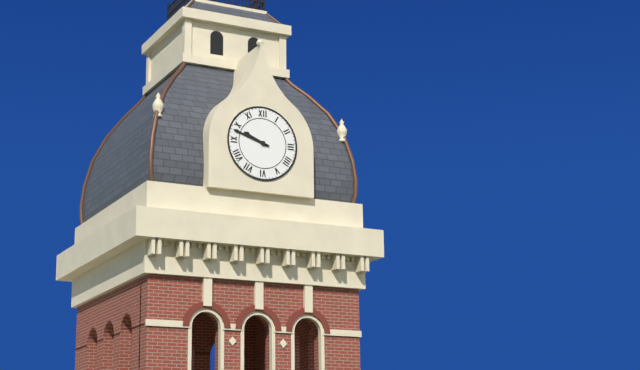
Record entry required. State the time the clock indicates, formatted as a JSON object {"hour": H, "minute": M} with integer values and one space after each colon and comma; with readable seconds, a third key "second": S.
{"hour": 9, "minute": 48}
